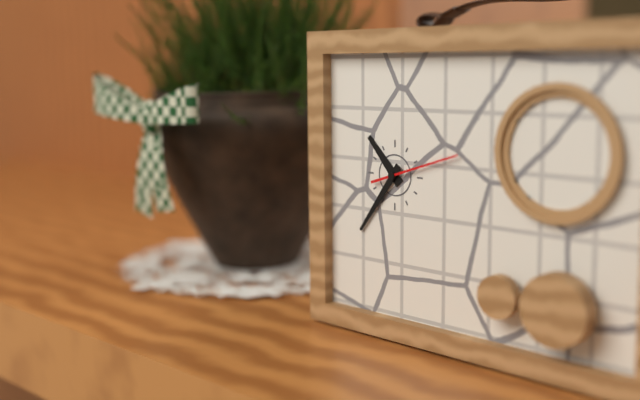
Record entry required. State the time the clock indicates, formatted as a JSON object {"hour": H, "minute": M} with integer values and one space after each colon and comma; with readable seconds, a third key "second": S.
{"hour": 10, "minute": 36, "second": 12}
